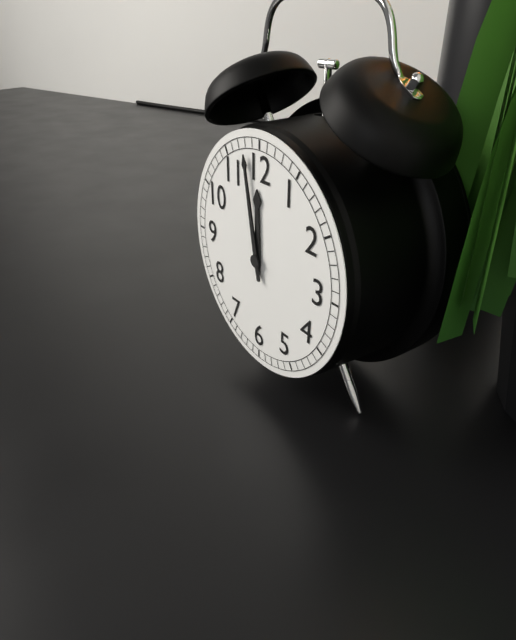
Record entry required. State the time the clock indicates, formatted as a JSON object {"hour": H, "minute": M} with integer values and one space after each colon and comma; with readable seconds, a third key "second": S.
{"hour": 11, "minute": 58}
